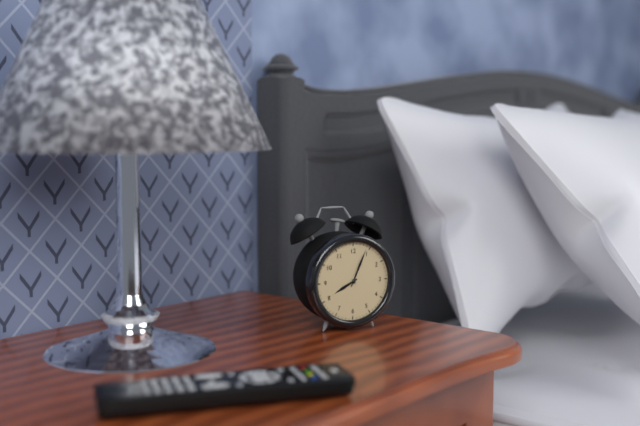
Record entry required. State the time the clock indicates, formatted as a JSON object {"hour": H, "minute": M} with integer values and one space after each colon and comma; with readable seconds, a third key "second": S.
{"hour": 8, "minute": 4}
